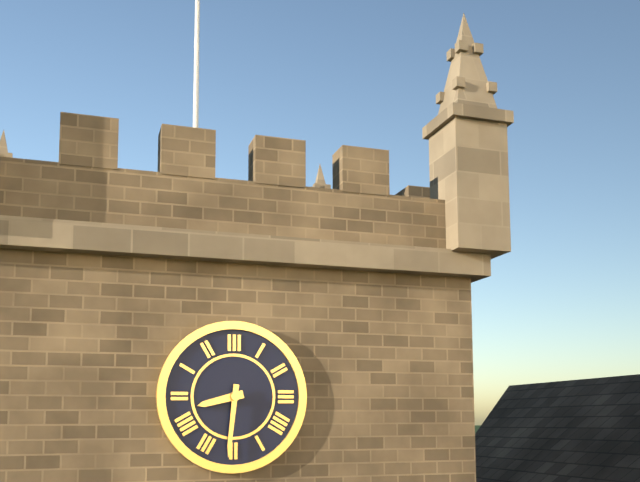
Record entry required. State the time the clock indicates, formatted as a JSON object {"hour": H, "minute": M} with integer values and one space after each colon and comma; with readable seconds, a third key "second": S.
{"hour": 8, "minute": 31}
